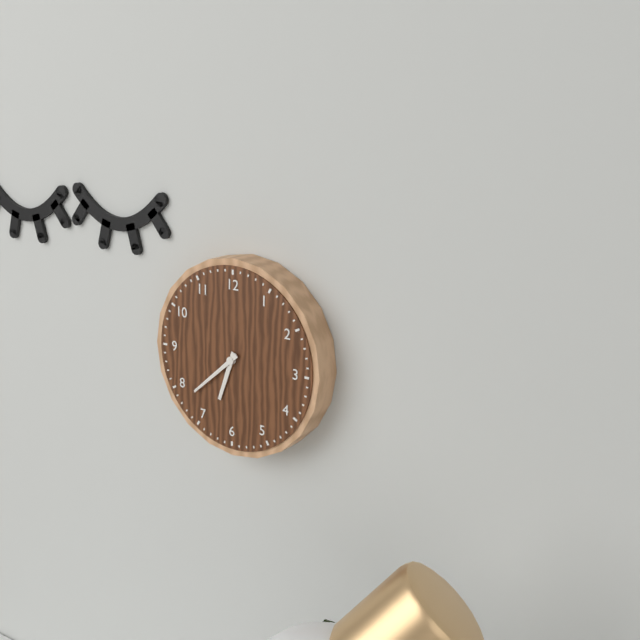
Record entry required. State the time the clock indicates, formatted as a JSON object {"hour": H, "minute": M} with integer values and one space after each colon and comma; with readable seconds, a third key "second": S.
{"hour": 6, "minute": 38}
